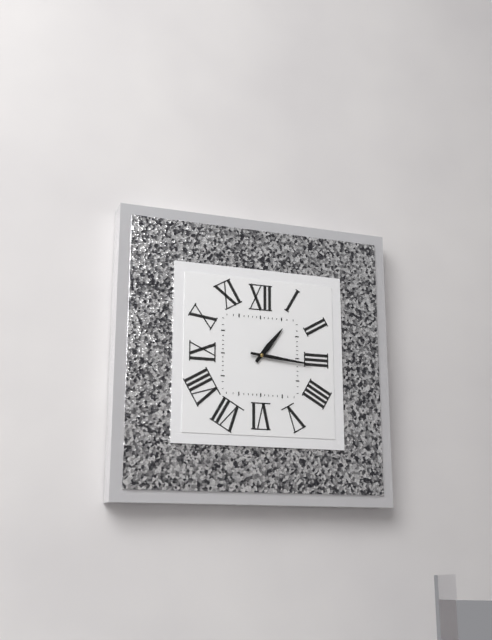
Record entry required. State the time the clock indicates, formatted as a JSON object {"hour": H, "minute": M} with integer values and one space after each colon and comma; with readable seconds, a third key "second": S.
{"hour": 1, "minute": 16}
